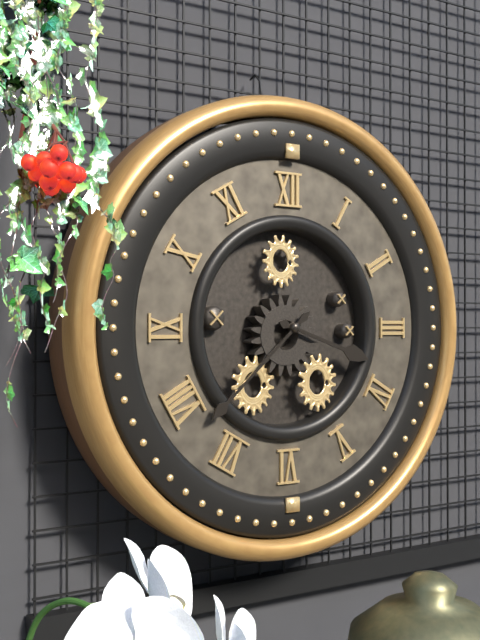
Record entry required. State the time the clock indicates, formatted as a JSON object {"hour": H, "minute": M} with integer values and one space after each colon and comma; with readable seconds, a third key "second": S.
{"hour": 3, "minute": 38}
